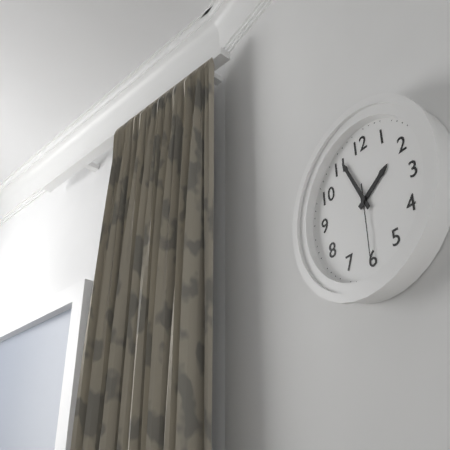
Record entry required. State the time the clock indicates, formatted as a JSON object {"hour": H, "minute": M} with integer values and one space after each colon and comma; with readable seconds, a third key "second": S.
{"hour": 1, "minute": 56, "second": 30}
